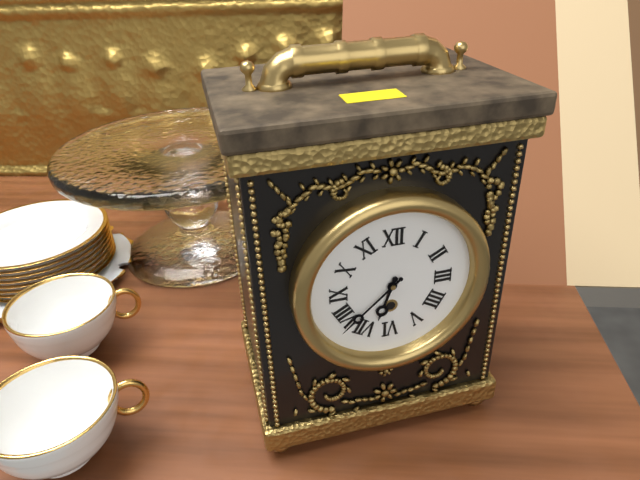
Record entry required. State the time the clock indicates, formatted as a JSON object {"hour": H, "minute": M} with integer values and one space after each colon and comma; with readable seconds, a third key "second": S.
{"hour": 6, "minute": 38}
